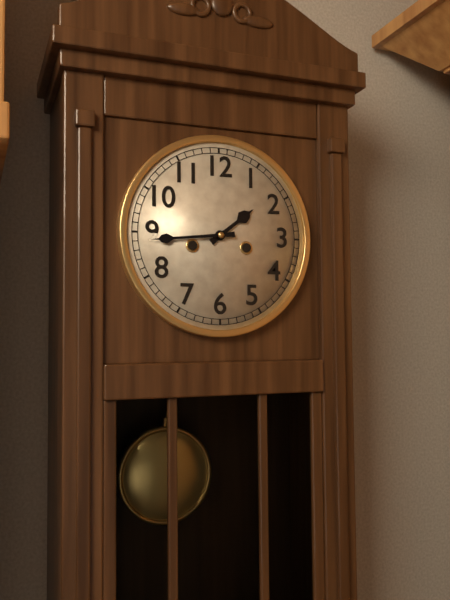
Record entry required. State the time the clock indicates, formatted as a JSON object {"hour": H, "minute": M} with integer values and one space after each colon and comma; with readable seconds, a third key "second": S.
{"hour": 1, "minute": 44}
